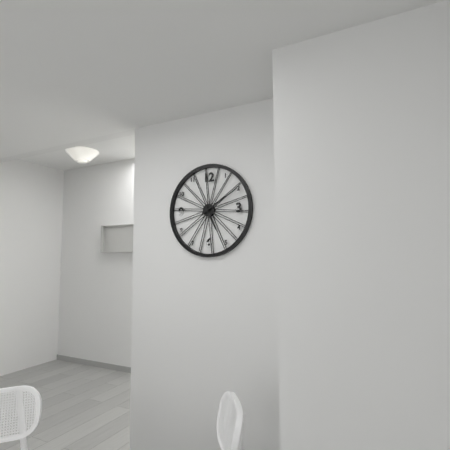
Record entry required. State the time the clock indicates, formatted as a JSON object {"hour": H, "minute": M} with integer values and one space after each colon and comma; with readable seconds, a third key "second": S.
{"hour": 5, "minute": 10}
